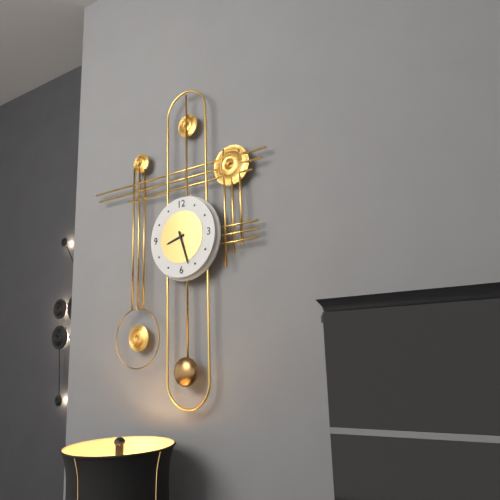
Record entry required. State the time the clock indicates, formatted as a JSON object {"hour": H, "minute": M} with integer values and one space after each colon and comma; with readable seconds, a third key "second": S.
{"hour": 8, "minute": 27}
